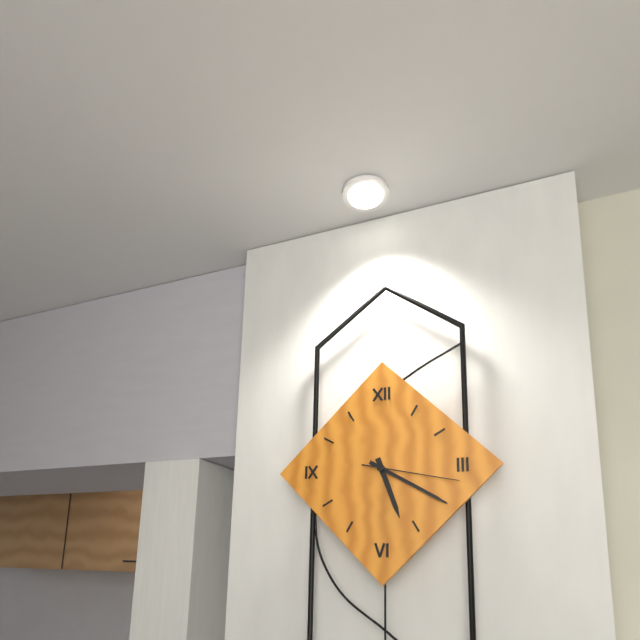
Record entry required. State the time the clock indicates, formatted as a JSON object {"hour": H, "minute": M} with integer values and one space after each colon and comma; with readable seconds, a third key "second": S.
{"hour": 5, "minute": 20, "second": 17}
